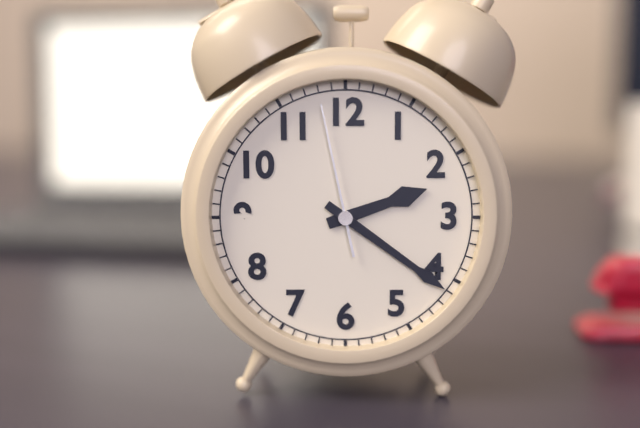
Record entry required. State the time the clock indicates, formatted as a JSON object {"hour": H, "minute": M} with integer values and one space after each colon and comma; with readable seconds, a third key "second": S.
{"hour": 2, "minute": 21, "second": 58}
